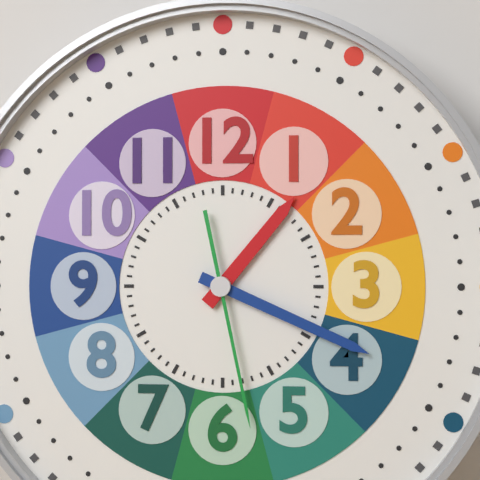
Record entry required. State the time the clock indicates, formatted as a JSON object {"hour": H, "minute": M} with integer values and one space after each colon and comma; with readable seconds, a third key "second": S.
{"hour": 1, "minute": 19, "second": 28}
